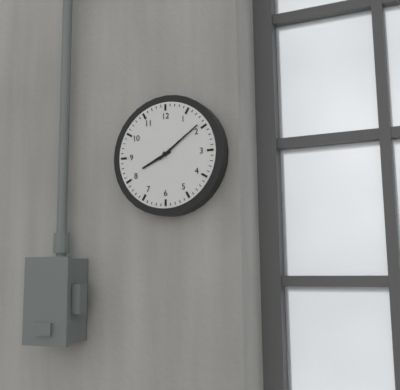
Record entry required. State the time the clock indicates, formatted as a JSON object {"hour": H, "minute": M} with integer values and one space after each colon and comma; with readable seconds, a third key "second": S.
{"hour": 8, "minute": 9}
